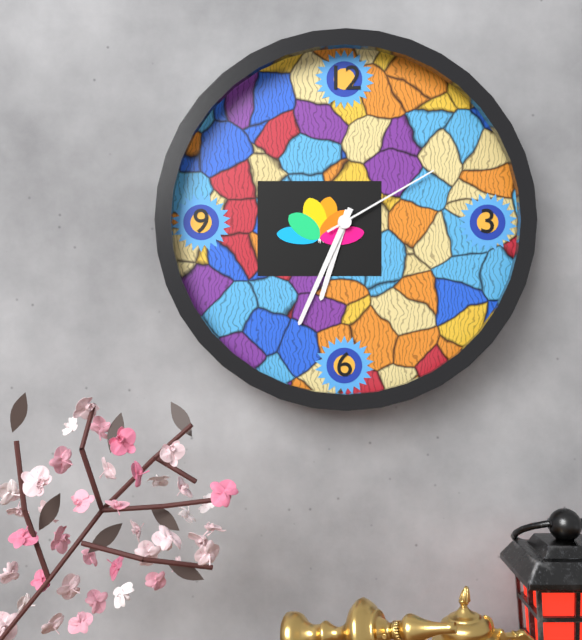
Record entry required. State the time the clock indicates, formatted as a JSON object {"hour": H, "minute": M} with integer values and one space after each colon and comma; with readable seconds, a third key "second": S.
{"hour": 6, "minute": 34, "second": 10}
